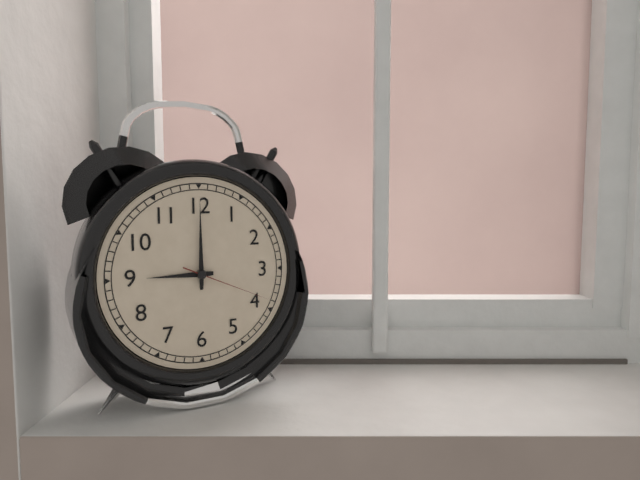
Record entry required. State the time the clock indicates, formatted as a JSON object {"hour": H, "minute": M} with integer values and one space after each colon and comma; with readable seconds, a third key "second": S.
{"hour": 9, "minute": 0, "second": 19}
